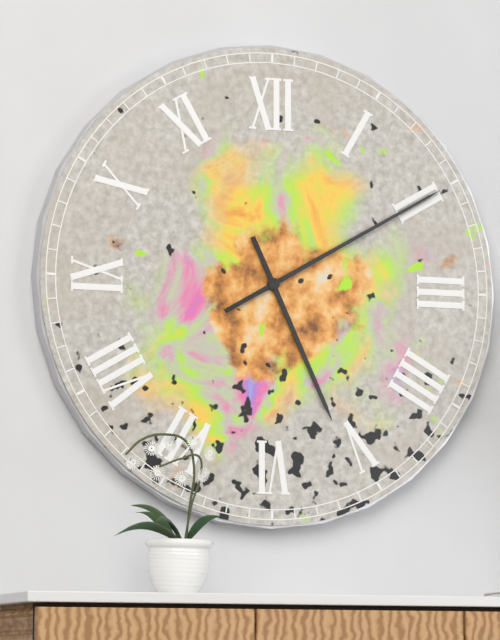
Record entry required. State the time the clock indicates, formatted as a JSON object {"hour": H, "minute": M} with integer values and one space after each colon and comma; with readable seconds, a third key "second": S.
{"hour": 5, "minute": 10}
